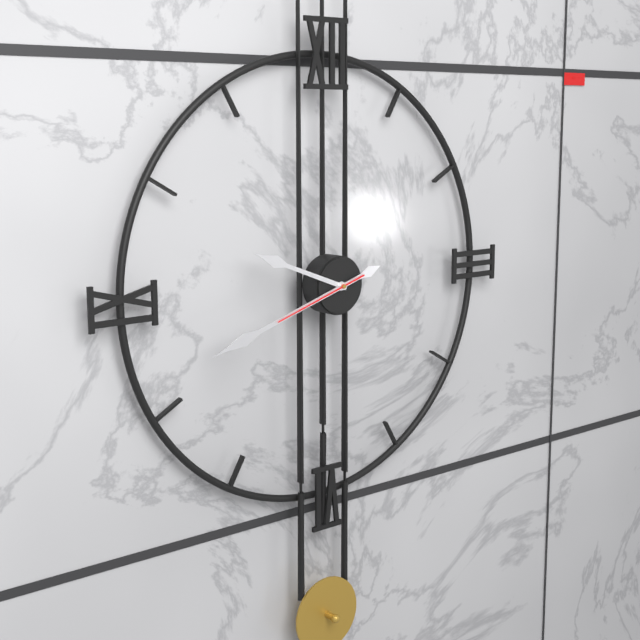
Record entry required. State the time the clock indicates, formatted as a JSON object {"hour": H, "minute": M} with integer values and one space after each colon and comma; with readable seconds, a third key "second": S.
{"hour": 9, "minute": 42, "second": 42}
